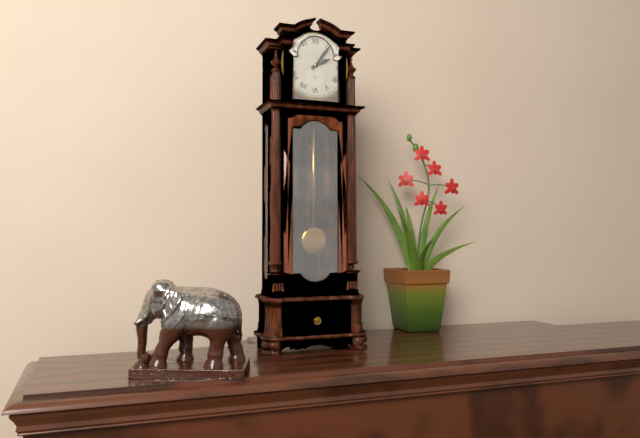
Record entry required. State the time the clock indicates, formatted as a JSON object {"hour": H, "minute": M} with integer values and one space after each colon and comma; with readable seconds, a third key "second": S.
{"hour": 2, "minute": 6}
